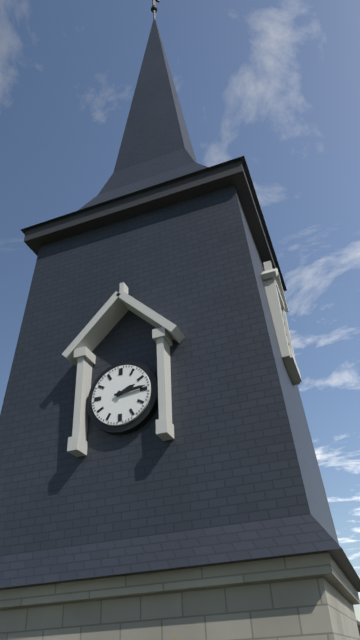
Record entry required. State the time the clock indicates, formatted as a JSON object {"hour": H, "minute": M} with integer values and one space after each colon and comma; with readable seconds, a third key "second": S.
{"hour": 2, "minute": 14}
